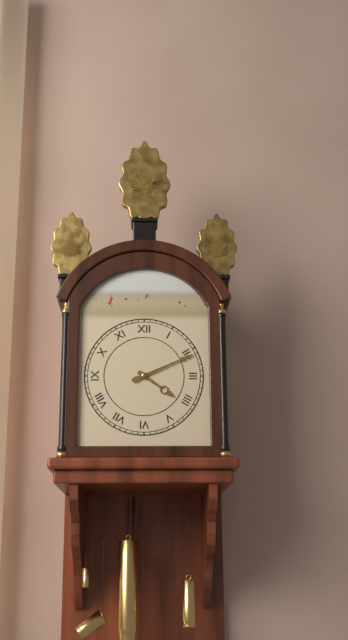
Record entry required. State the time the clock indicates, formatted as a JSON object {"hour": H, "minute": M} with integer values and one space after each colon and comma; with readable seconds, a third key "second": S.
{"hour": 4, "minute": 11}
